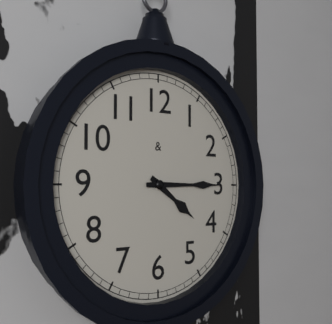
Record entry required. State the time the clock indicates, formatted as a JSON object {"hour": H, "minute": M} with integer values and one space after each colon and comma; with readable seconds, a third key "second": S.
{"hour": 4, "minute": 15}
